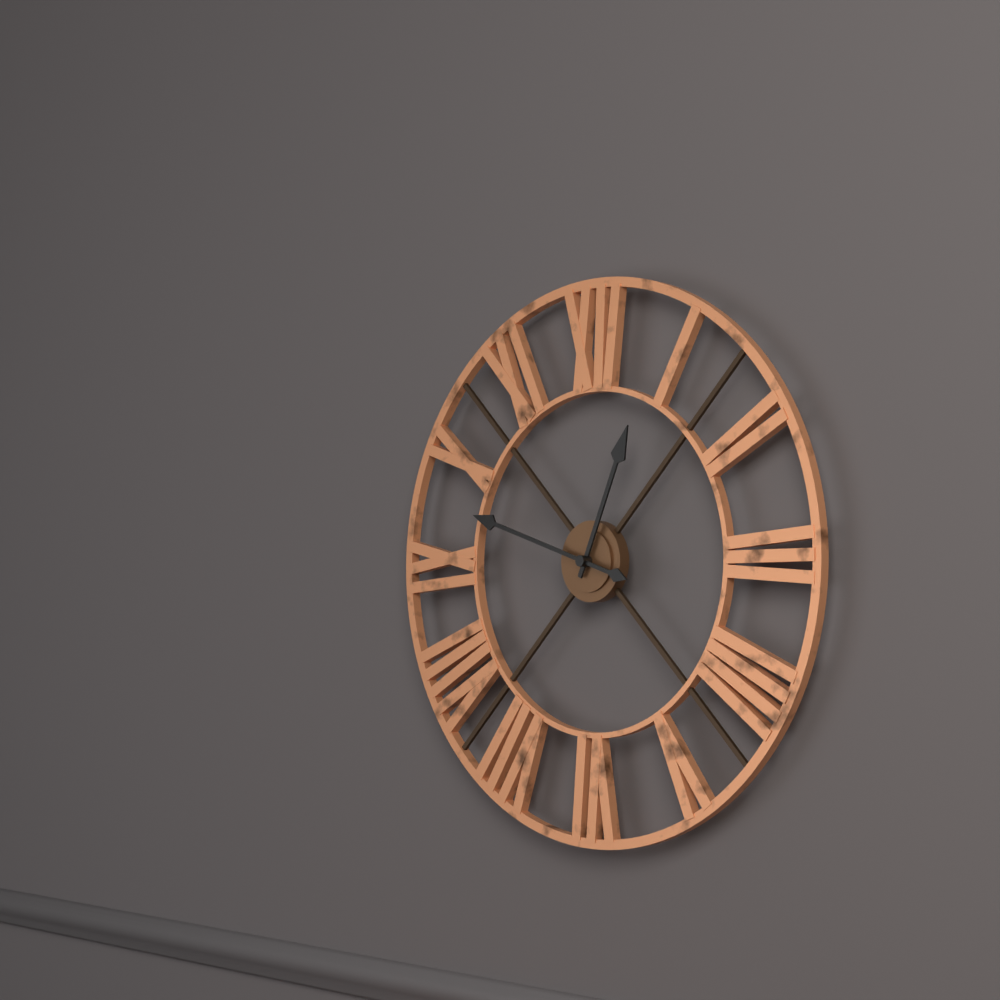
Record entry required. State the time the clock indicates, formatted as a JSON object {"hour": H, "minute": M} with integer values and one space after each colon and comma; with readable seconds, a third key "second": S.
{"hour": 12, "minute": 48}
